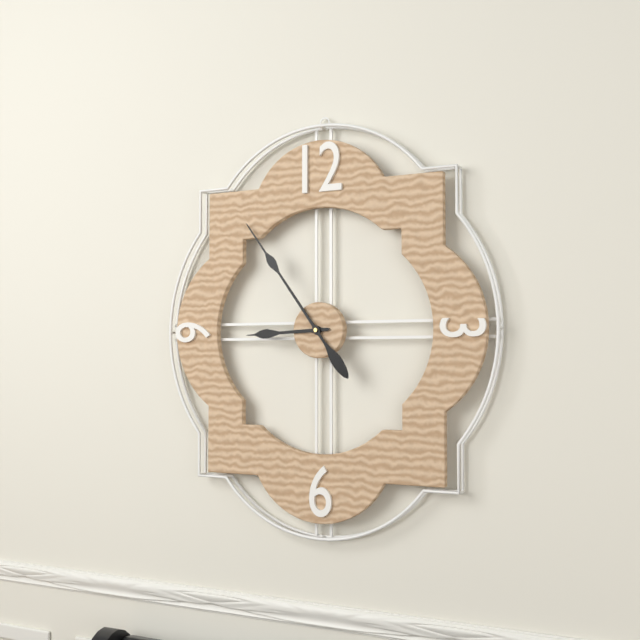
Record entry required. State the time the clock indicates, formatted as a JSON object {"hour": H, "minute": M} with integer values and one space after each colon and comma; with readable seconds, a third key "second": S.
{"hour": 8, "minute": 54}
